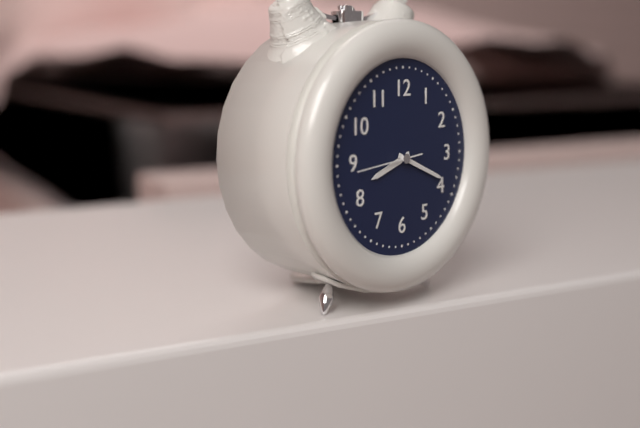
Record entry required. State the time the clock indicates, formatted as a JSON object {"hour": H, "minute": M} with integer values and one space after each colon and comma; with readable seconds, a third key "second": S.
{"hour": 8, "minute": 19, "second": 44}
